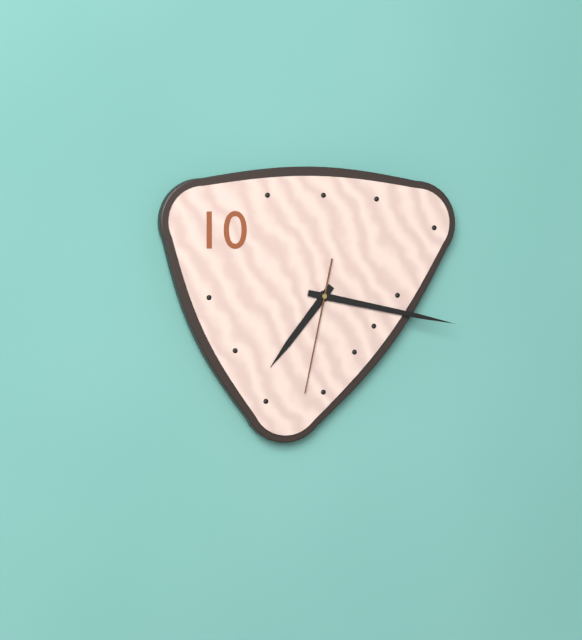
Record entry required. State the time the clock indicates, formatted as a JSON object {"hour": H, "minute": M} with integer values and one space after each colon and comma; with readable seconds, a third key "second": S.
{"hour": 7, "minute": 17, "second": 32}
